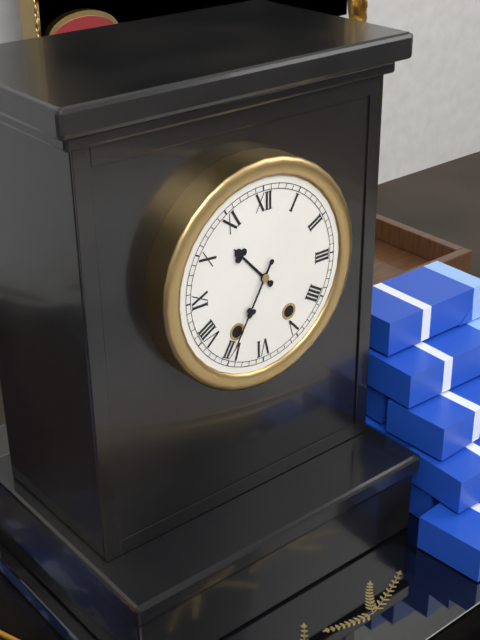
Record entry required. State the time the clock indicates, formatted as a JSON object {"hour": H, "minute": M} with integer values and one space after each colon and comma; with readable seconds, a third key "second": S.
{"hour": 10, "minute": 35}
